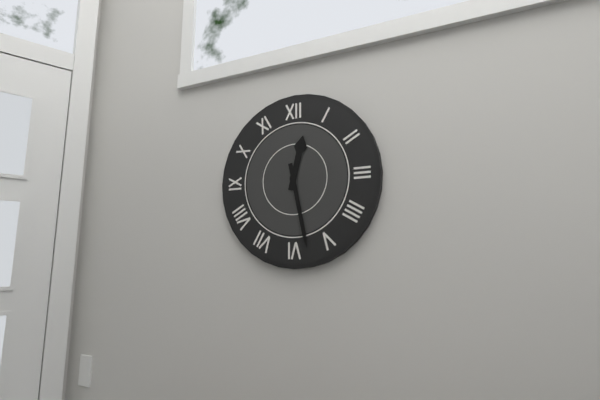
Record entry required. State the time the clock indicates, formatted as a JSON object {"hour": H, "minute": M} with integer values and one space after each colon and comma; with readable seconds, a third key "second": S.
{"hour": 12, "minute": 28}
